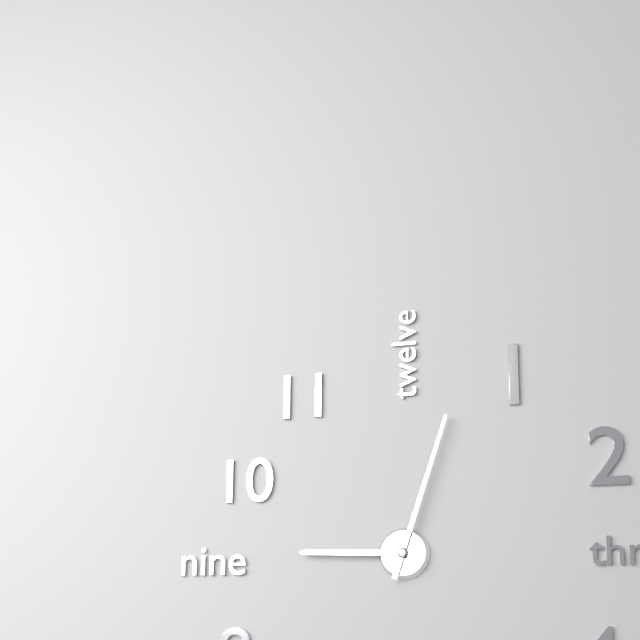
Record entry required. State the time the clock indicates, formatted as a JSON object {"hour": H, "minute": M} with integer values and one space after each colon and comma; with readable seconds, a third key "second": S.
{"hour": 9, "minute": 3}
